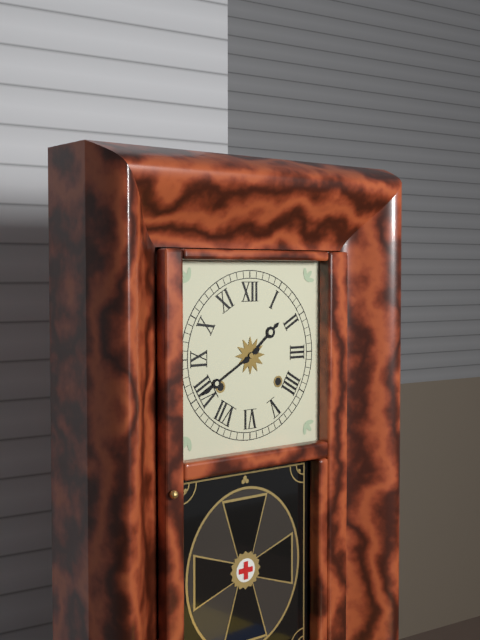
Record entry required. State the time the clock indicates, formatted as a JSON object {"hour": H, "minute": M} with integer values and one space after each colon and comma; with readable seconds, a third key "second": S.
{"hour": 1, "minute": 40}
